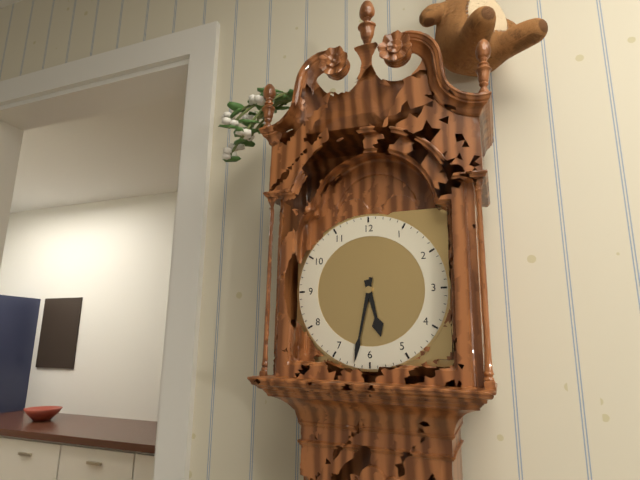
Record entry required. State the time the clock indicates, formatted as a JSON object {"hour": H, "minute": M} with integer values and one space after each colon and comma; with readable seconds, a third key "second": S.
{"hour": 5, "minute": 32}
